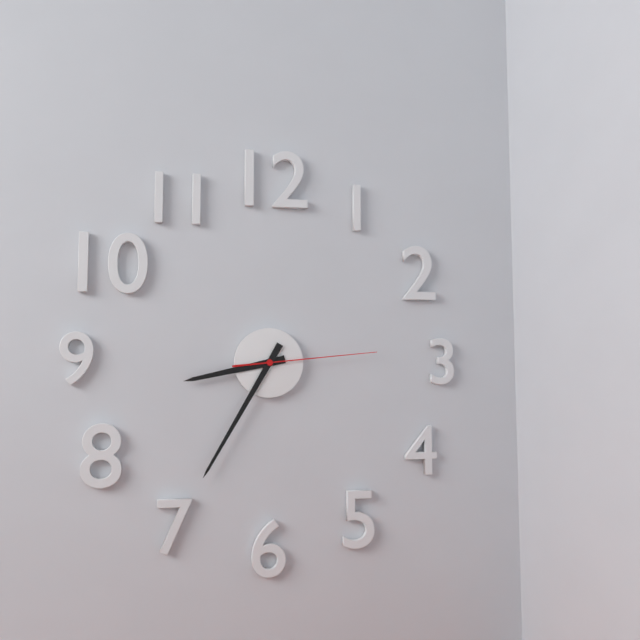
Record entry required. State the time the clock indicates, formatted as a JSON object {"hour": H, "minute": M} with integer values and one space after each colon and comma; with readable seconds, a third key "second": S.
{"hour": 8, "minute": 35, "second": 14}
